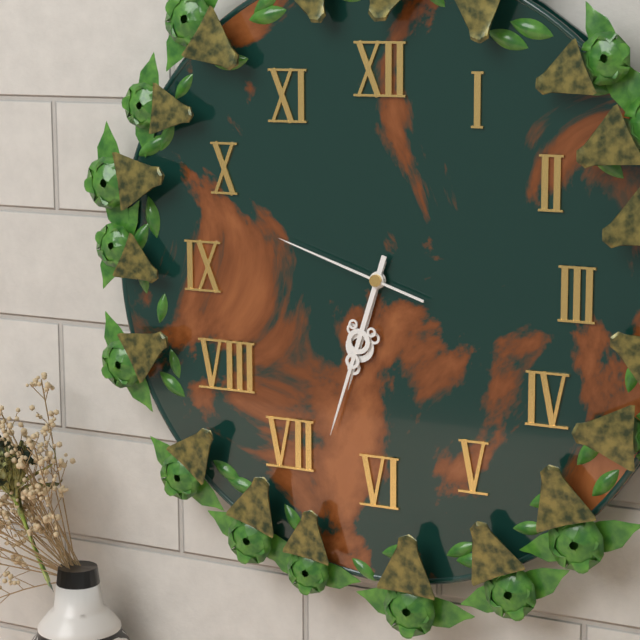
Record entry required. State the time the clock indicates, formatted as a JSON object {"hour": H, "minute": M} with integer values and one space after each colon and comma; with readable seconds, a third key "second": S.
{"hour": 6, "minute": 33, "second": 48}
